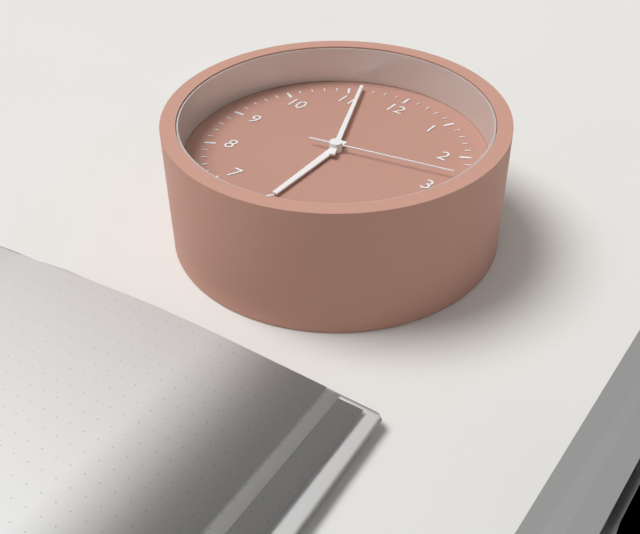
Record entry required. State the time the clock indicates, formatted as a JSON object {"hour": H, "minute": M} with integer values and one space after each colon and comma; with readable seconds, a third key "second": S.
{"hour": 5, "minute": 56, "second": 13}
